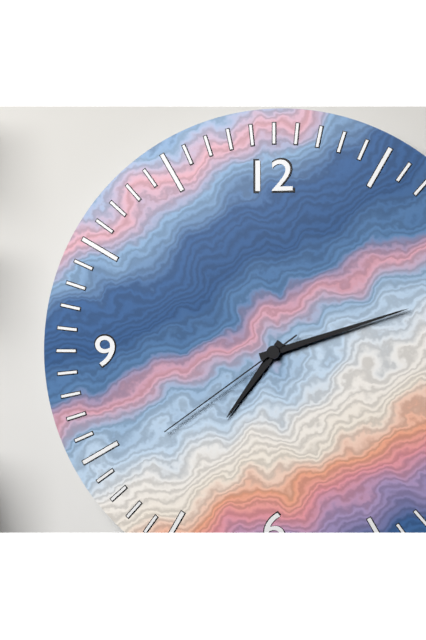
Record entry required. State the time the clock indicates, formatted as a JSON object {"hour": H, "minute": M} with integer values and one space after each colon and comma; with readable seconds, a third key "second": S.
{"hour": 7, "minute": 12, "second": 39}
